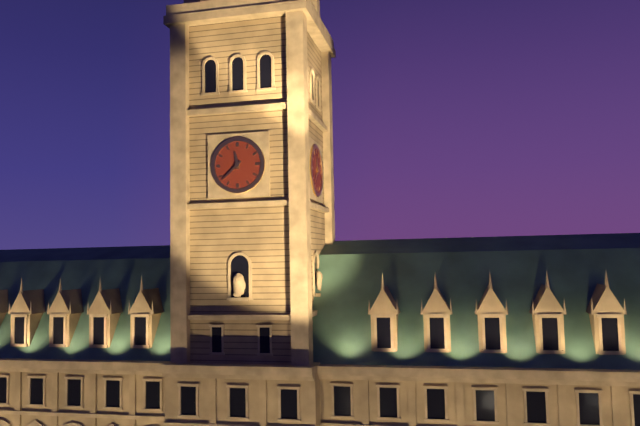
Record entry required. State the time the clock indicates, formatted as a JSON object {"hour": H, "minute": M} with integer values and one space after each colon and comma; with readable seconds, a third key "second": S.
{"hour": 11, "minute": 38}
